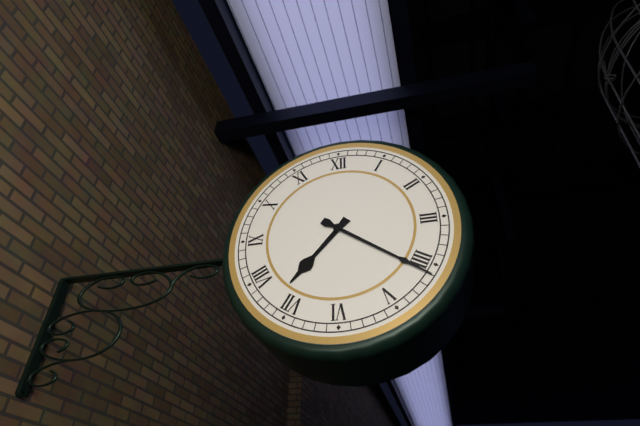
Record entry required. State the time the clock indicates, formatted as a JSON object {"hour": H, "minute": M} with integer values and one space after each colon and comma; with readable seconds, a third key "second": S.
{"hour": 7, "minute": 21}
